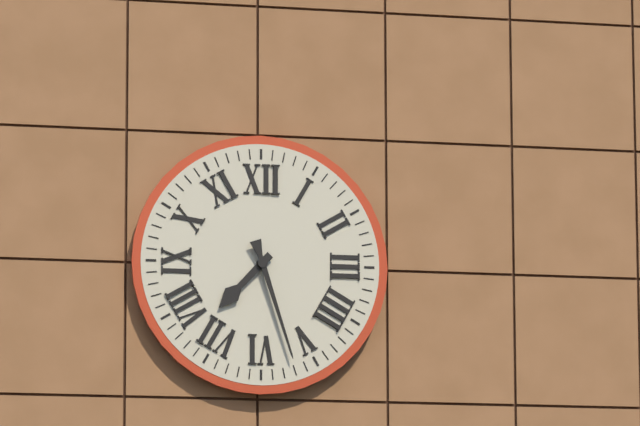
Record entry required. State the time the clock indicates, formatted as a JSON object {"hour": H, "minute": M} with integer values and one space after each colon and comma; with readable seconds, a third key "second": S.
{"hour": 7, "minute": 27}
